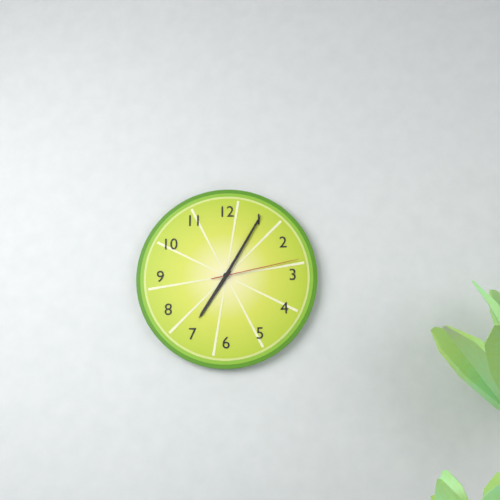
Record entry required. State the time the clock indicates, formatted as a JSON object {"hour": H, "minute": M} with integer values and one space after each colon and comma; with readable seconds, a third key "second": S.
{"hour": 7, "minute": 5, "second": 13}
